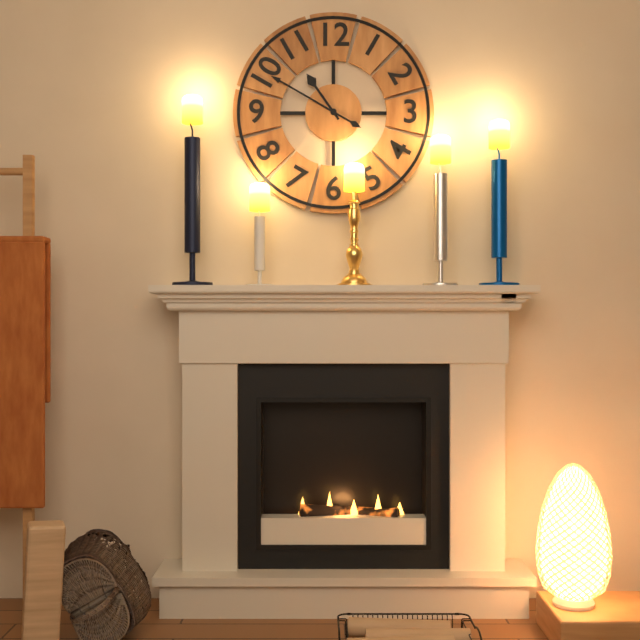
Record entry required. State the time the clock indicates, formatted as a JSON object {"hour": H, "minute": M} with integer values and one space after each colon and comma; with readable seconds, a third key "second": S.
{"hour": 10, "minute": 50}
